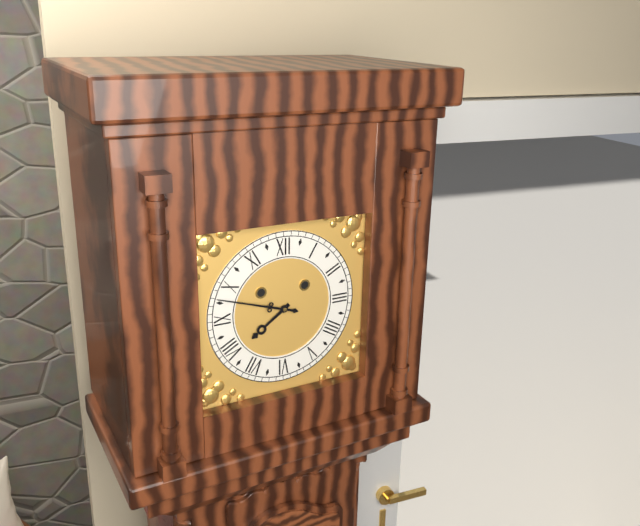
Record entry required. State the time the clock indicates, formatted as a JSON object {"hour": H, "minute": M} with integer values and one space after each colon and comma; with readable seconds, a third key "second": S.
{"hour": 7, "minute": 48}
